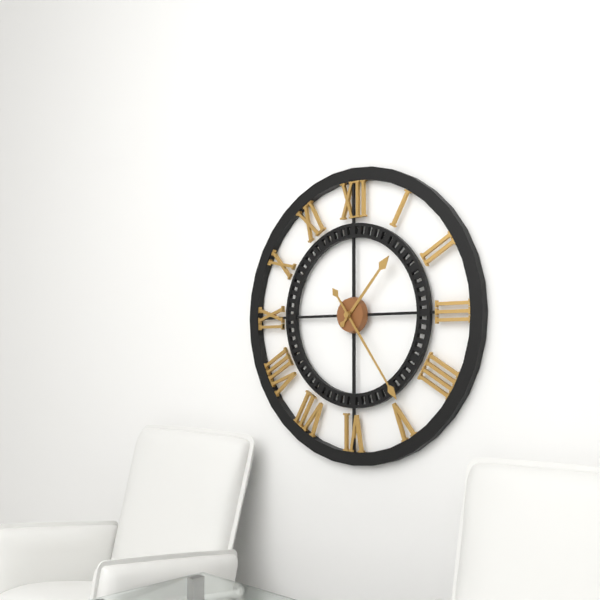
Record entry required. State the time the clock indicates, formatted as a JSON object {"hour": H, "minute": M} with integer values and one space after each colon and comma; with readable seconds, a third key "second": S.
{"hour": 1, "minute": 24}
